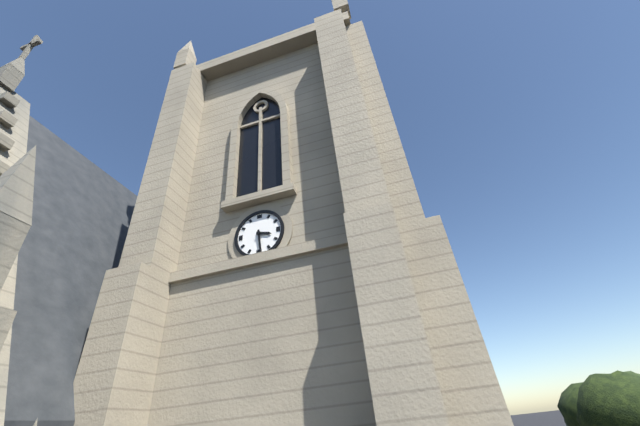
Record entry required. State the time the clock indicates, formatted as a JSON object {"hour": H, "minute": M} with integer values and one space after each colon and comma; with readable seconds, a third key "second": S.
{"hour": 3, "minute": 29}
